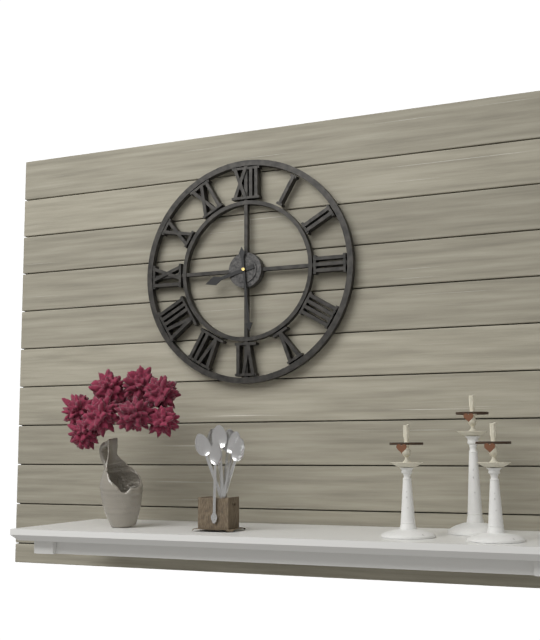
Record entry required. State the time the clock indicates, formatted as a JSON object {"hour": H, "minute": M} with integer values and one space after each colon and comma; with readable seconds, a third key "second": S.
{"hour": 8, "minute": 29}
